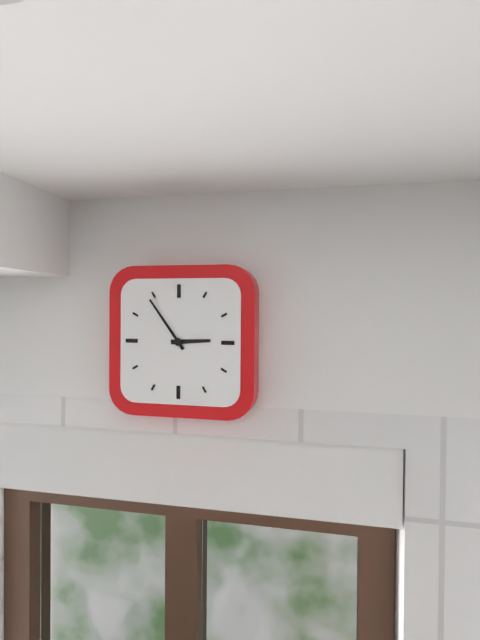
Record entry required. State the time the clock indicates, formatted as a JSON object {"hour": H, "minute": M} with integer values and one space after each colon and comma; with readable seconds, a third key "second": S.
{"hour": 2, "minute": 54}
